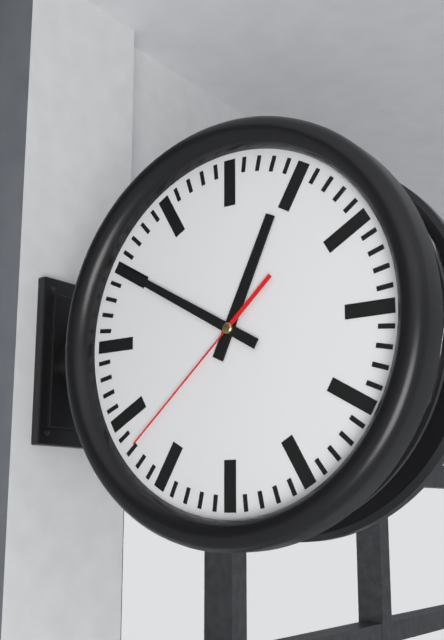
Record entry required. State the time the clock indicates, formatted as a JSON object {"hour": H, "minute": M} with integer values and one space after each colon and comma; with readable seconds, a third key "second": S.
{"hour": 12, "minute": 50, "second": 38}
